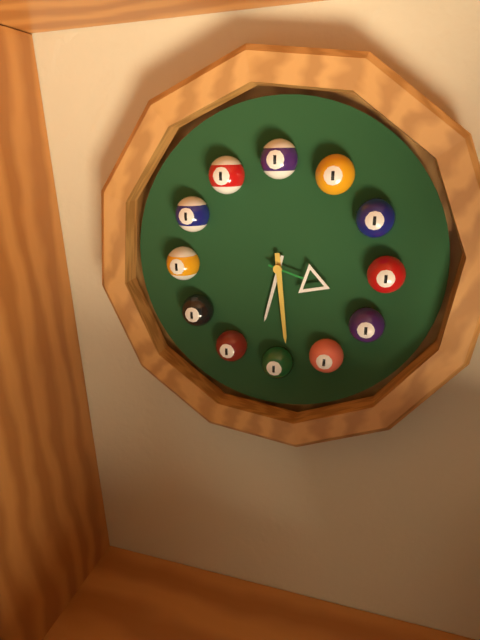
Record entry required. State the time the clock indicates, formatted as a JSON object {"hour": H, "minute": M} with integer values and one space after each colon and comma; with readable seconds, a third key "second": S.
{"hour": 6, "minute": 29, "second": 18}
